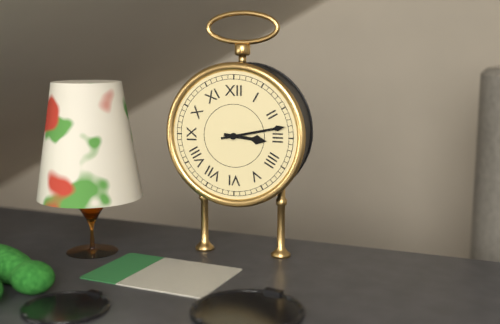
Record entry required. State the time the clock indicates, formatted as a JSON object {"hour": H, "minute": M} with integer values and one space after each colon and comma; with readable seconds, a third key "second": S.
{"hour": 3, "minute": 13}
